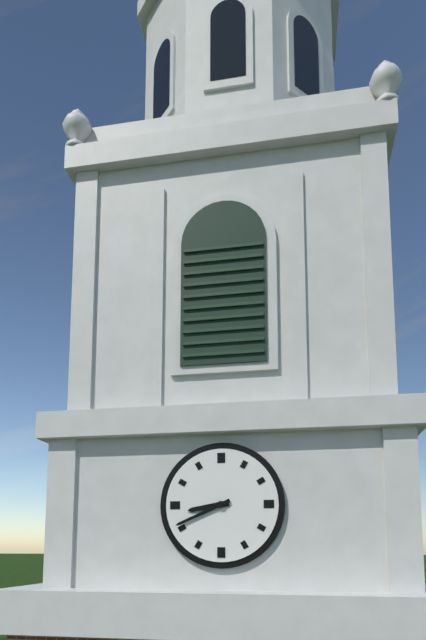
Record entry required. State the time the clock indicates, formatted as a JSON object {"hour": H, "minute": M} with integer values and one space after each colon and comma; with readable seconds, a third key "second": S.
{"hour": 8, "minute": 41}
